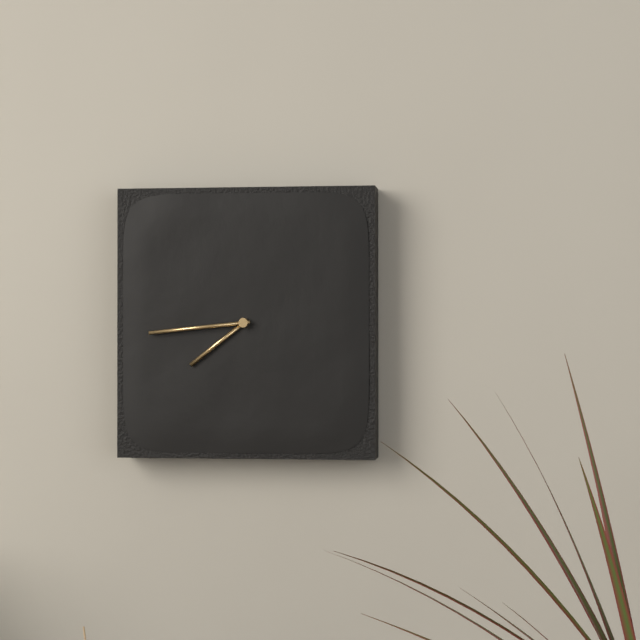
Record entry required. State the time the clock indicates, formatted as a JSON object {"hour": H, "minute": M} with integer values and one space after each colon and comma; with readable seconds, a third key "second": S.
{"hour": 7, "minute": 44}
